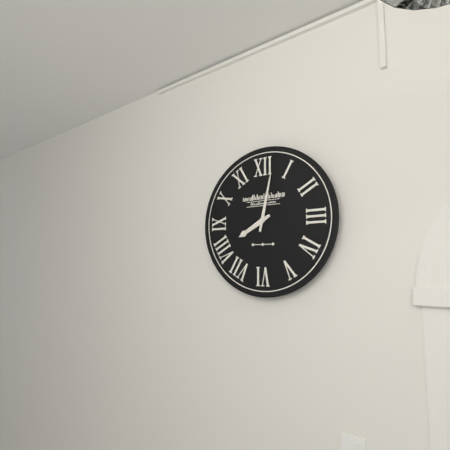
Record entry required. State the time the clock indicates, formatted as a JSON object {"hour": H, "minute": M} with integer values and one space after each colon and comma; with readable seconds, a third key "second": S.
{"hour": 8, "minute": 2}
